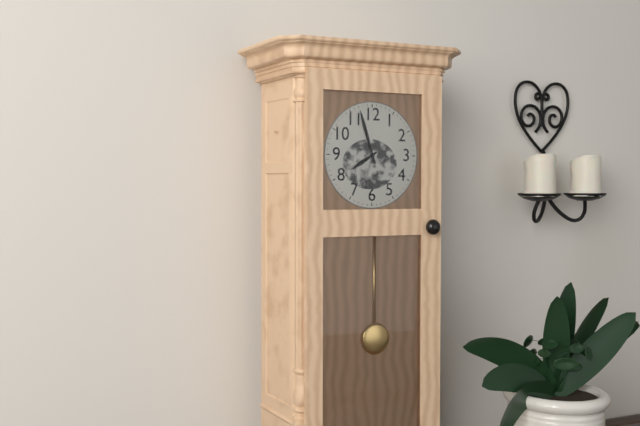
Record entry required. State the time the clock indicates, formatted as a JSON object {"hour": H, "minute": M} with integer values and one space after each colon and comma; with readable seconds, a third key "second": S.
{"hour": 7, "minute": 57}
